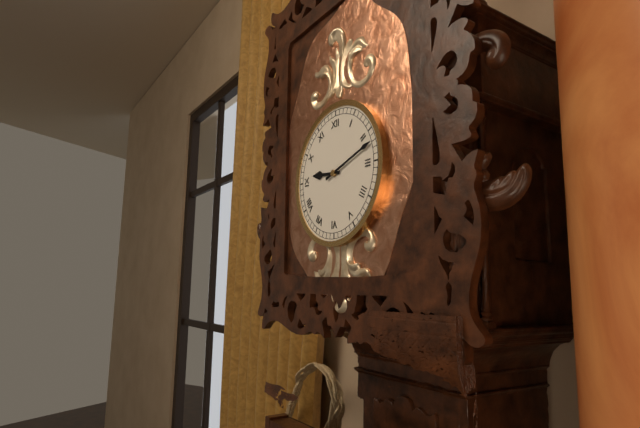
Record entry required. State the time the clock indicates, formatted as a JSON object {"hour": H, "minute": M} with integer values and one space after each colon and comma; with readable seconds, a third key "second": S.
{"hour": 9, "minute": 12}
